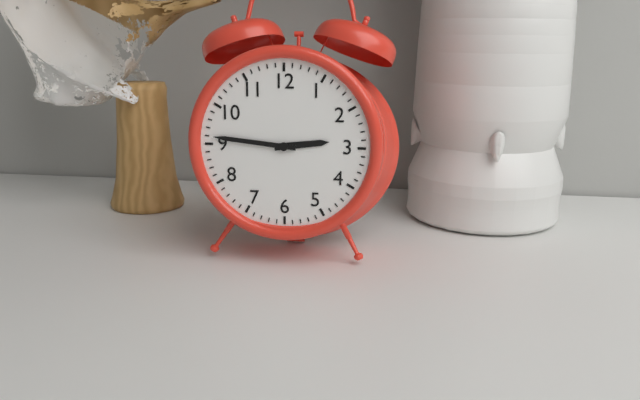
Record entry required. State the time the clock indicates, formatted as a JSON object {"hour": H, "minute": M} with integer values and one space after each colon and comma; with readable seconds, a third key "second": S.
{"hour": 2, "minute": 46}
